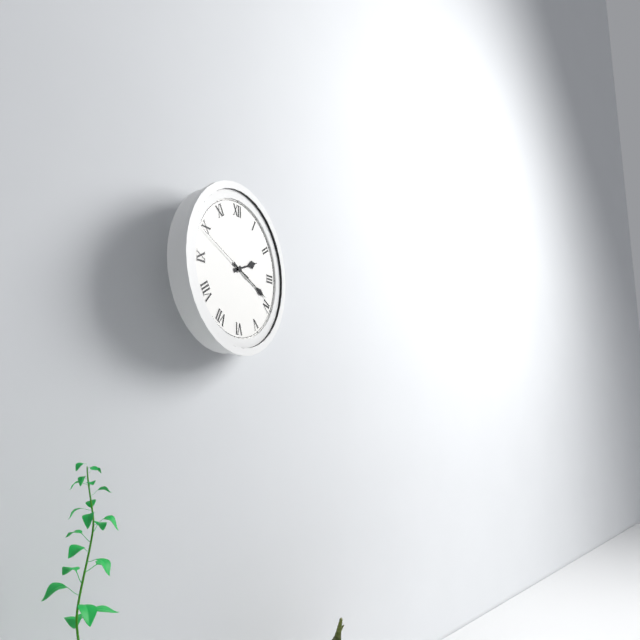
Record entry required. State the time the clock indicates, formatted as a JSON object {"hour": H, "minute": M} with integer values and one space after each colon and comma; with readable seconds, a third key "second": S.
{"hour": 2, "minute": 19, "second": 49}
